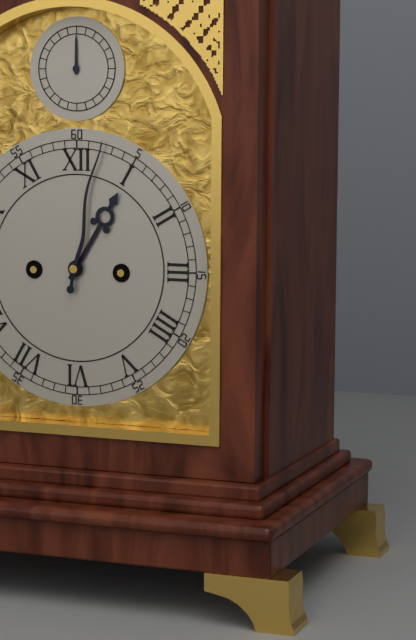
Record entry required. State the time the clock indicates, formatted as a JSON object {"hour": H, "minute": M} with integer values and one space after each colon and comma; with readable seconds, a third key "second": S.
{"hour": 1, "minute": 2}
